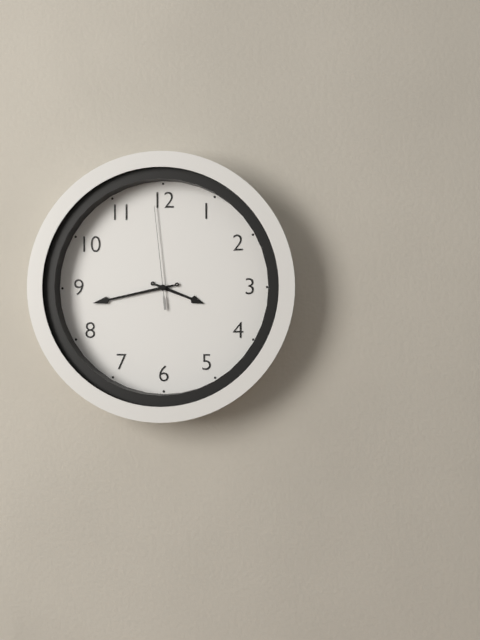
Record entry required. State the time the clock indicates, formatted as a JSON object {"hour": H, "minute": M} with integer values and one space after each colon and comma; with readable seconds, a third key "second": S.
{"hour": 3, "minute": 43, "second": 59}
